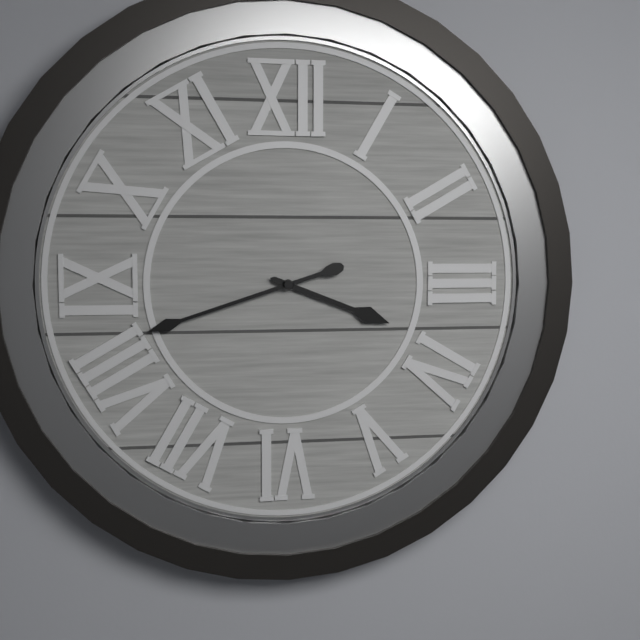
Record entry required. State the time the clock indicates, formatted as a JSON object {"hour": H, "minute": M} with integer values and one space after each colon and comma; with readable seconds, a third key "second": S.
{"hour": 3, "minute": 42}
